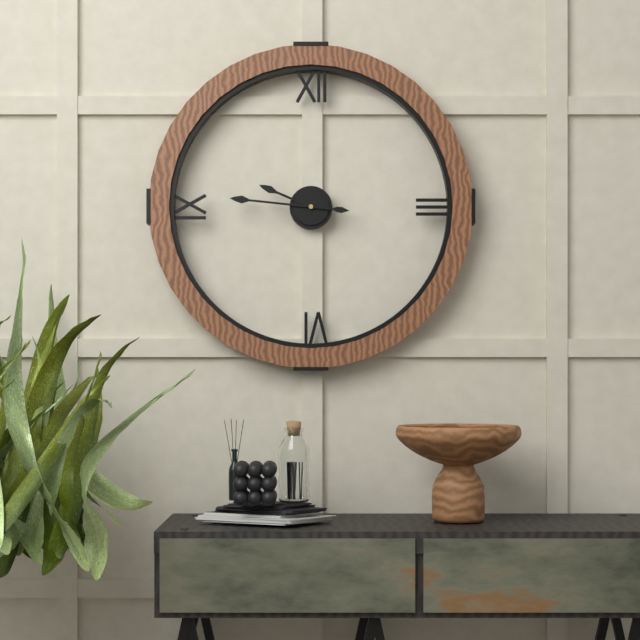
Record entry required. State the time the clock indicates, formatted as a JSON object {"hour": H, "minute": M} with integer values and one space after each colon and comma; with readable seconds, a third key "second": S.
{"hour": 9, "minute": 46}
